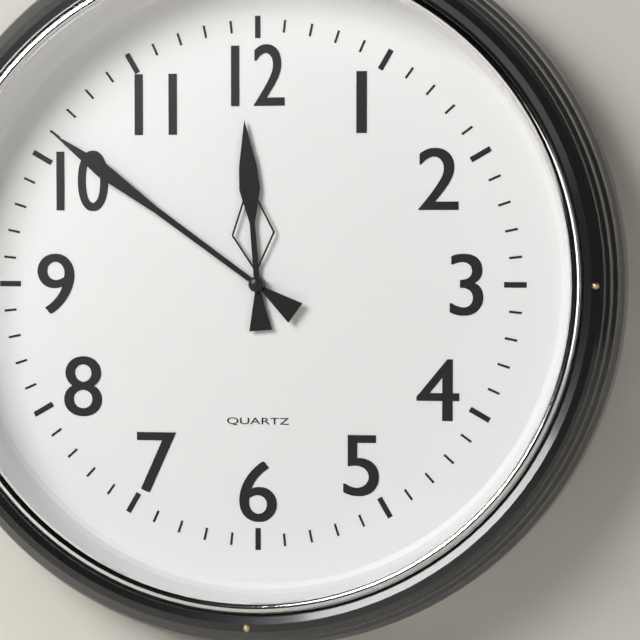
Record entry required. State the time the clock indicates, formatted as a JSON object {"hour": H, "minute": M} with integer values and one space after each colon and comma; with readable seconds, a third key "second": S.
{"hour": 11, "minute": 51}
